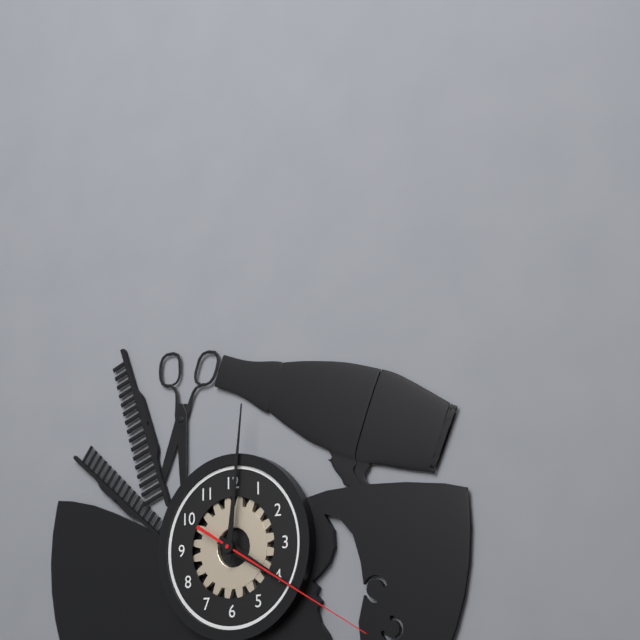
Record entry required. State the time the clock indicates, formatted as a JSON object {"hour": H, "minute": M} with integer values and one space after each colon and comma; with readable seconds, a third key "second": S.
{"hour": 4, "minute": 1, "second": 20}
